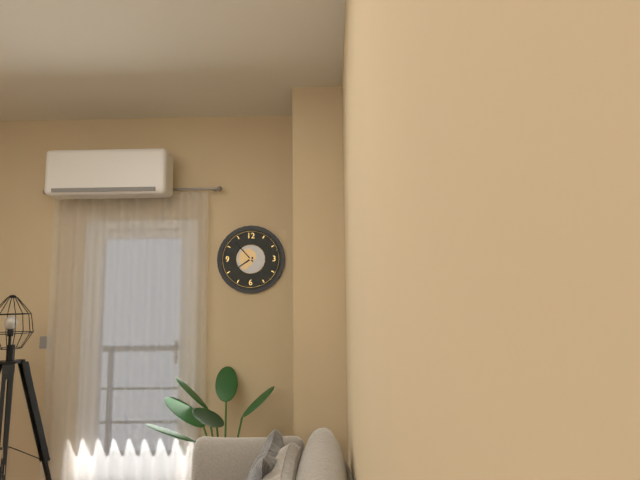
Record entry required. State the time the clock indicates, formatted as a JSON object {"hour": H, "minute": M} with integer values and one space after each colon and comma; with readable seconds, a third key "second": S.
{"hour": 7, "minute": 53}
